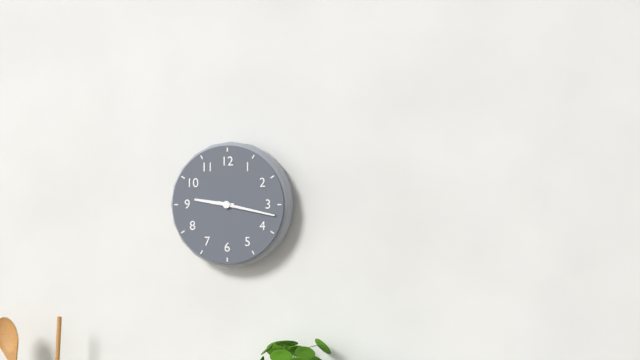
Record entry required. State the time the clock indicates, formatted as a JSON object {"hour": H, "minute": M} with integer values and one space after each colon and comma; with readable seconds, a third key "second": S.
{"hour": 9, "minute": 17}
